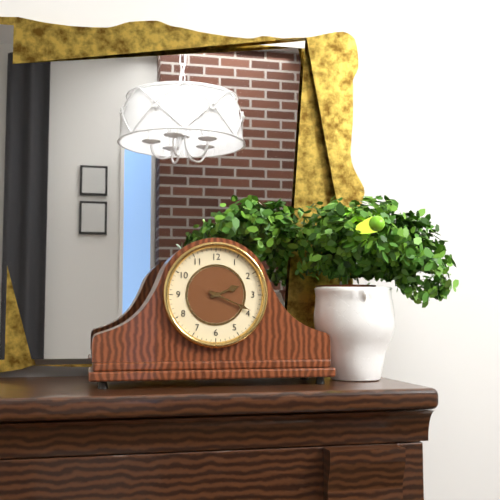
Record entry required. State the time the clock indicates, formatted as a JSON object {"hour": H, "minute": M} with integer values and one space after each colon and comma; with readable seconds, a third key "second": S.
{"hour": 2, "minute": 19}
